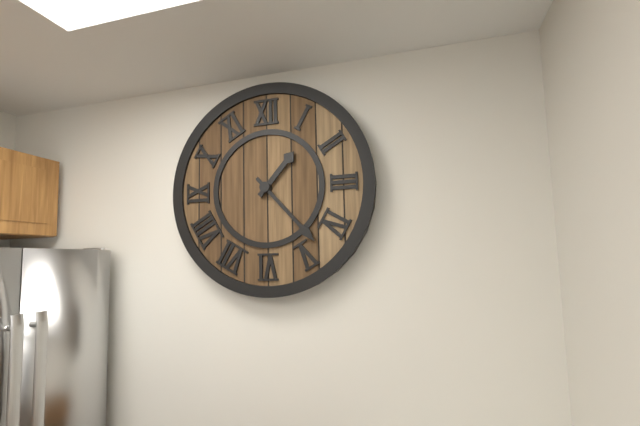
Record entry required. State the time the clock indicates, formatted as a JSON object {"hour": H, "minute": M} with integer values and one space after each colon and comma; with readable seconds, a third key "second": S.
{"hour": 1, "minute": 23}
